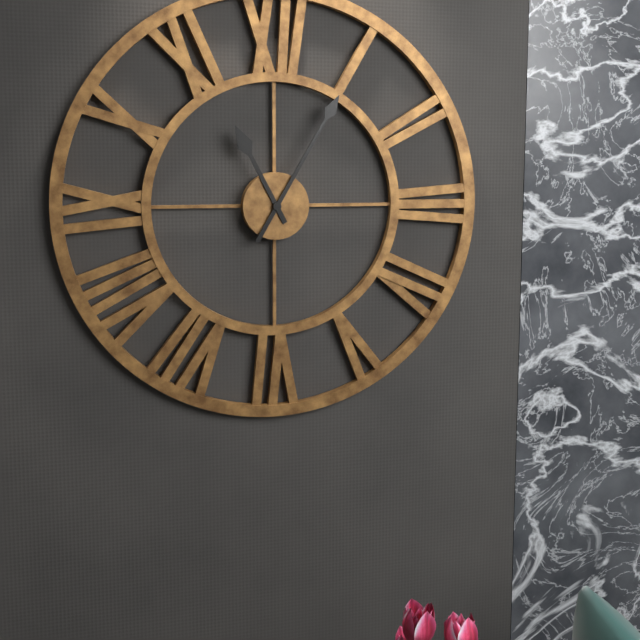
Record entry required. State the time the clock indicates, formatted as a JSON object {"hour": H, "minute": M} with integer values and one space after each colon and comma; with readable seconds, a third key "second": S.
{"hour": 11, "minute": 5}
